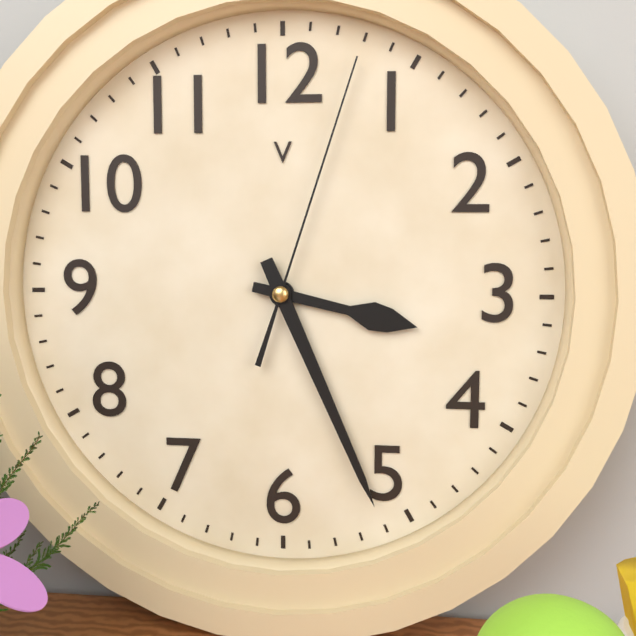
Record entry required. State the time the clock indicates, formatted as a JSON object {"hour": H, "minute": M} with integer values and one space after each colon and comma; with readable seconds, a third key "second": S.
{"hour": 3, "minute": 26, "second": 3}
